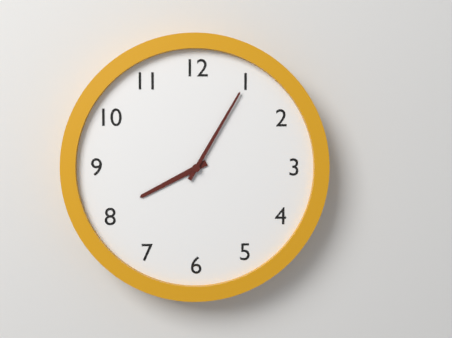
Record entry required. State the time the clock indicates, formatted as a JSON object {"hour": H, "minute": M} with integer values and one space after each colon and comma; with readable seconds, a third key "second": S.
{"hour": 8, "minute": 5}
